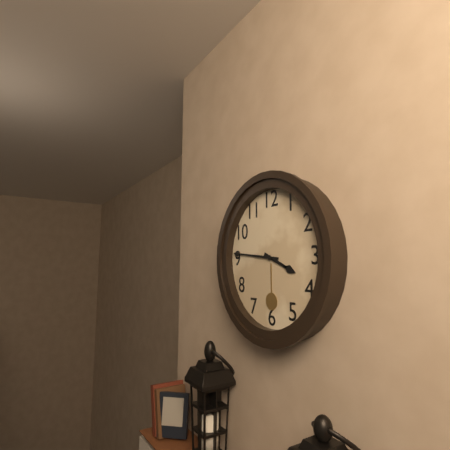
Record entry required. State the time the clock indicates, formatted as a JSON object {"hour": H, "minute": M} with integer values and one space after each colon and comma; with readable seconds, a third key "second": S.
{"hour": 3, "minute": 46}
